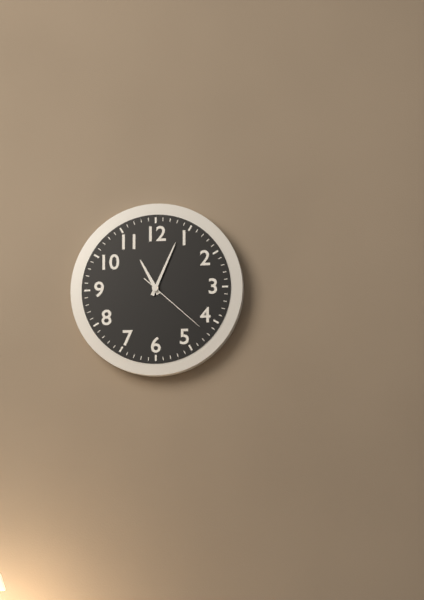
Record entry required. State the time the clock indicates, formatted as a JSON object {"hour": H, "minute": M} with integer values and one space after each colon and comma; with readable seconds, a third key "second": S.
{"hour": 11, "minute": 4, "second": 22}
